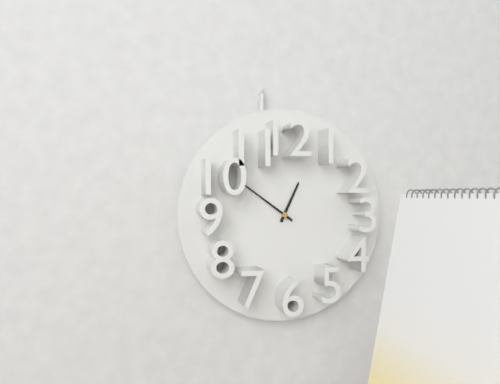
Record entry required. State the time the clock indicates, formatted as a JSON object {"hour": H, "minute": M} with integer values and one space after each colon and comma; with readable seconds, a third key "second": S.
{"hour": 12, "minute": 51}
